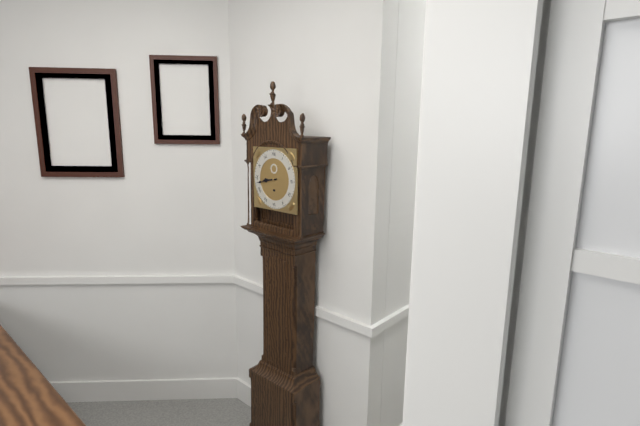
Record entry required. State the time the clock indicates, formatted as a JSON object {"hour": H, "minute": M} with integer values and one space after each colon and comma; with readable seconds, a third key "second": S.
{"hour": 8, "minute": 43}
